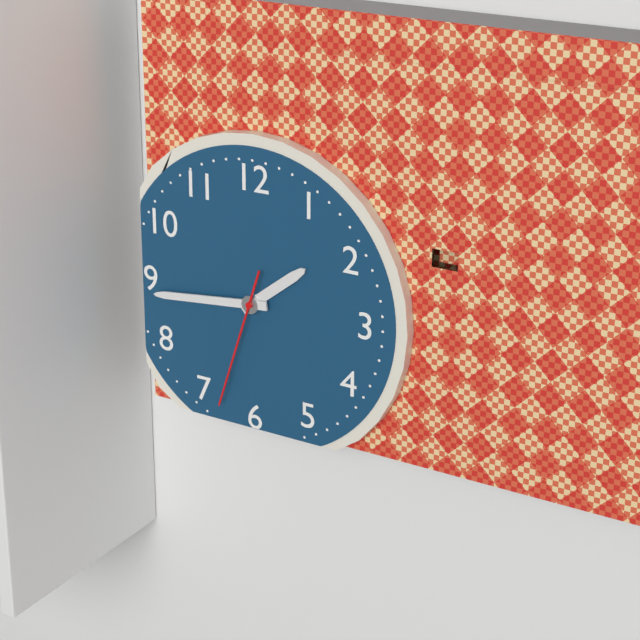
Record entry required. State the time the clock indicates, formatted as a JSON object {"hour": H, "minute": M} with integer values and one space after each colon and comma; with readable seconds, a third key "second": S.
{"hour": 1, "minute": 44, "second": 33}
